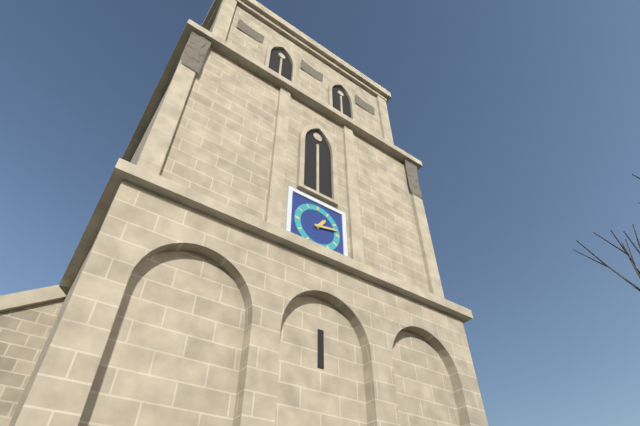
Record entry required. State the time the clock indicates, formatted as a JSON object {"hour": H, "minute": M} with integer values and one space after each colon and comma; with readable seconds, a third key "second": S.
{"hour": 1, "minute": 13}
